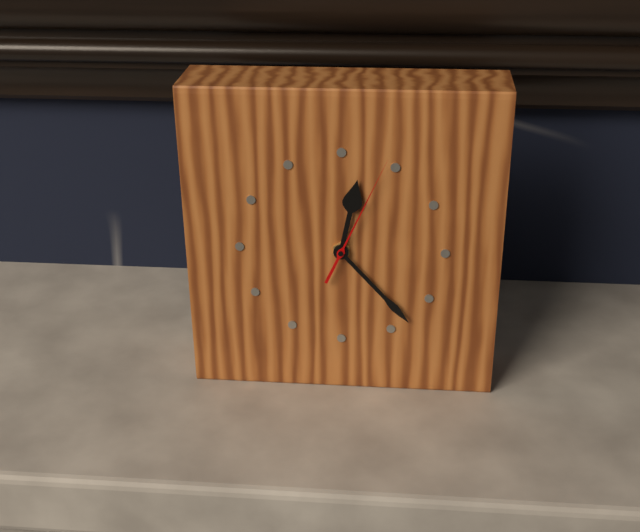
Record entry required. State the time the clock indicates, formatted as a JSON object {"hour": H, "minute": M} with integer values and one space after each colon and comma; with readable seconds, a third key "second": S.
{"hour": 12, "minute": 23, "second": 4}
